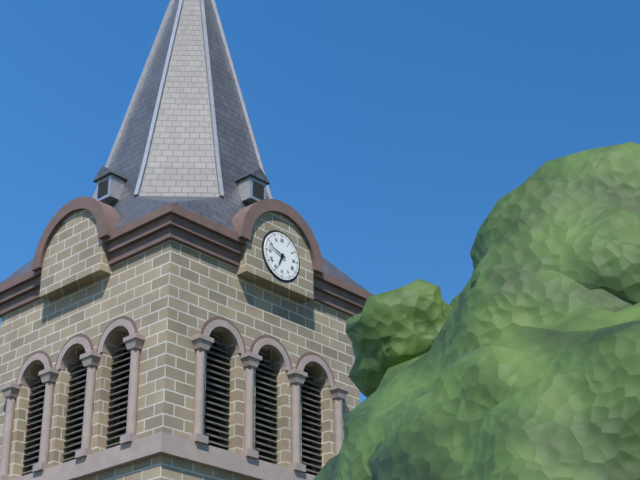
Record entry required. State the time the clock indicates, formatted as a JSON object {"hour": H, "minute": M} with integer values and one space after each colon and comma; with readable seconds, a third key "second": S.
{"hour": 6, "minute": 48}
